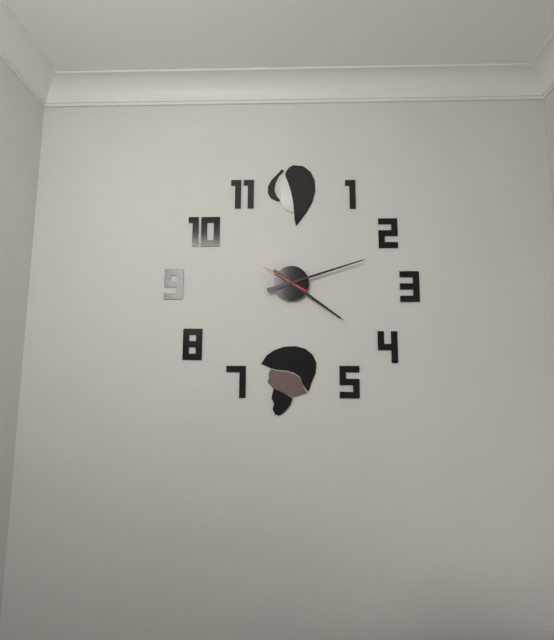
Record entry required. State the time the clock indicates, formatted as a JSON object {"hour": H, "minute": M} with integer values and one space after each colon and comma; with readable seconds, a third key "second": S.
{"hour": 4, "minute": 12}
